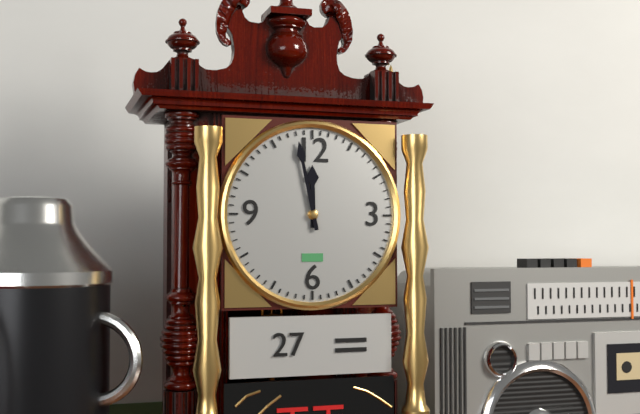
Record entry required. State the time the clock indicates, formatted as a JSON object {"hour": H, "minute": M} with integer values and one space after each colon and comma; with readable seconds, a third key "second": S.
{"hour": 11, "minute": 58}
